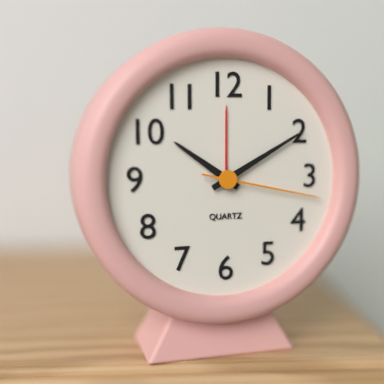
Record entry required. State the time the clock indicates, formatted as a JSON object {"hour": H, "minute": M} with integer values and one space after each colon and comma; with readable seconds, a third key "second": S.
{"hour": 10, "minute": 10, "second": 17}
